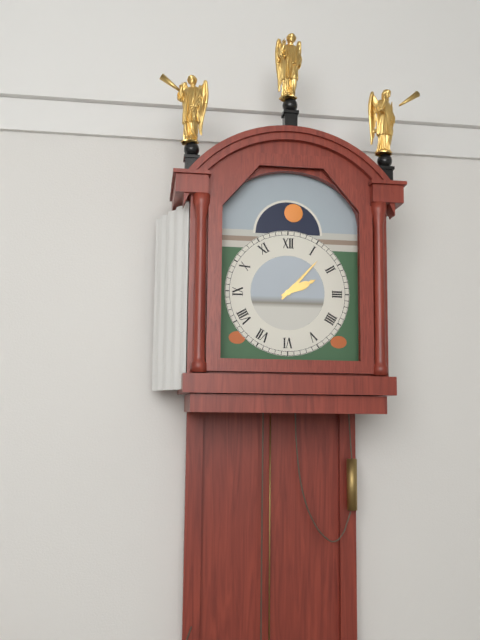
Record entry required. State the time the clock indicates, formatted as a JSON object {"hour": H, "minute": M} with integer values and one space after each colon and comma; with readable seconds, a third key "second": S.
{"hour": 2, "minute": 7}
